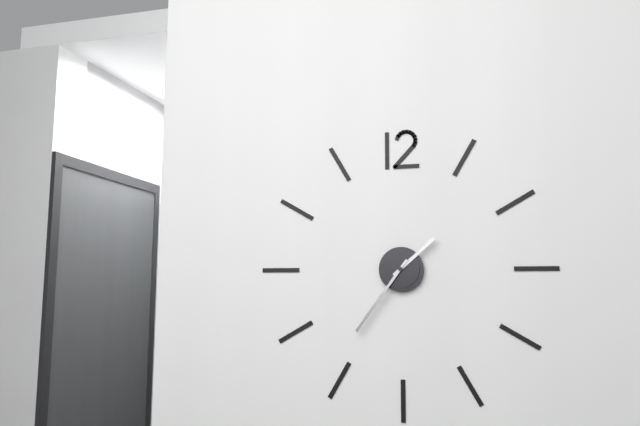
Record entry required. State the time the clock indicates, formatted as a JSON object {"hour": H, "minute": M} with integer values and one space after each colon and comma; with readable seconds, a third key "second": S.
{"hour": 1, "minute": 36}
